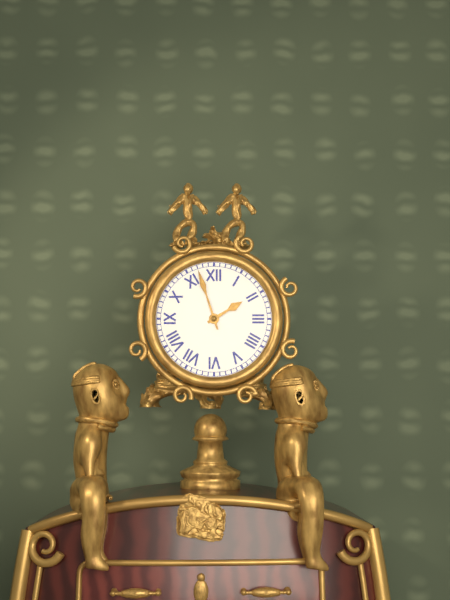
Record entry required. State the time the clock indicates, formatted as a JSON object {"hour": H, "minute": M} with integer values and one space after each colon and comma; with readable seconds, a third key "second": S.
{"hour": 1, "minute": 57}
